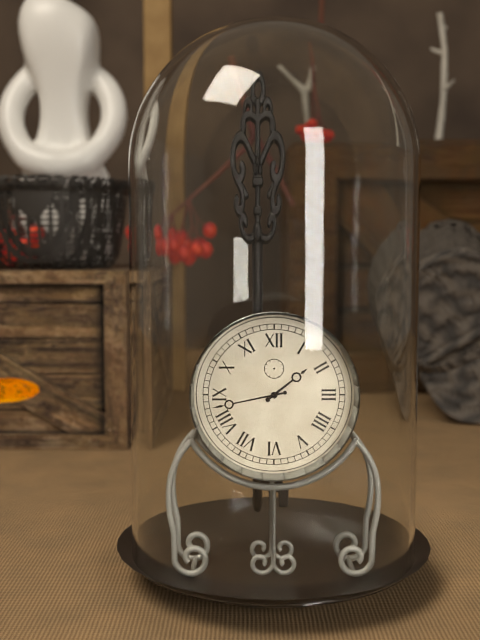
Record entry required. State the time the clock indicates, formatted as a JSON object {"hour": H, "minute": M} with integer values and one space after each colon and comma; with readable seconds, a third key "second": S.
{"hour": 1, "minute": 43}
